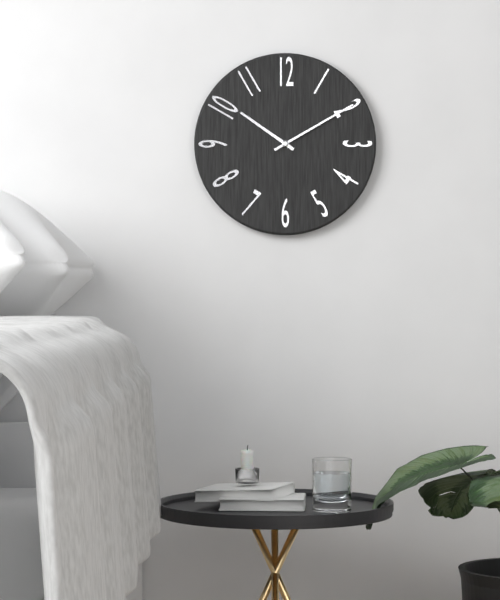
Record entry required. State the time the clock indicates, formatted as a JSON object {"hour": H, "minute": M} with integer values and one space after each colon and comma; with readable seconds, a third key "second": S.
{"hour": 10, "minute": 10}
